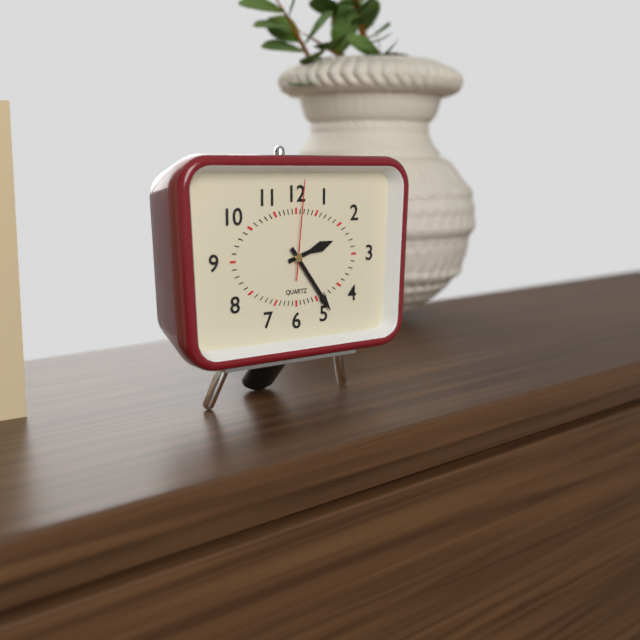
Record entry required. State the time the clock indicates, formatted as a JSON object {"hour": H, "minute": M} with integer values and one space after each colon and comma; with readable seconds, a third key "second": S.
{"hour": 2, "minute": 24, "second": 1}
